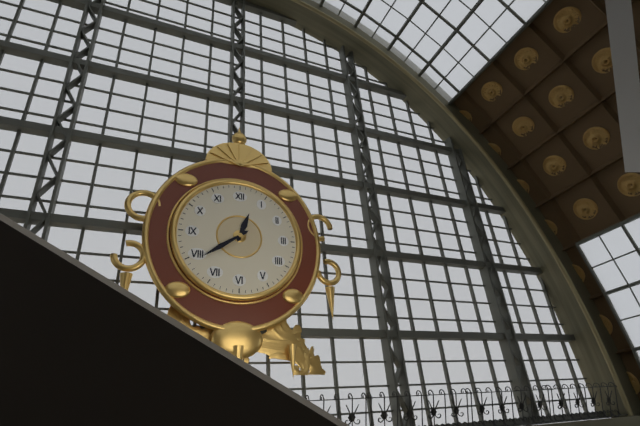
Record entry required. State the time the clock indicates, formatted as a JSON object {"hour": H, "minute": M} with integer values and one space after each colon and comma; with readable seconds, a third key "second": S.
{"hour": 12, "minute": 39}
